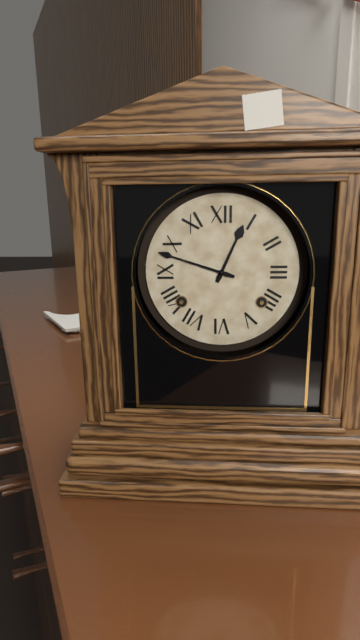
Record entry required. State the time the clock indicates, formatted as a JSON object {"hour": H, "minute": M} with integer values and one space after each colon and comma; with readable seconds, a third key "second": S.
{"hour": 12, "minute": 48}
